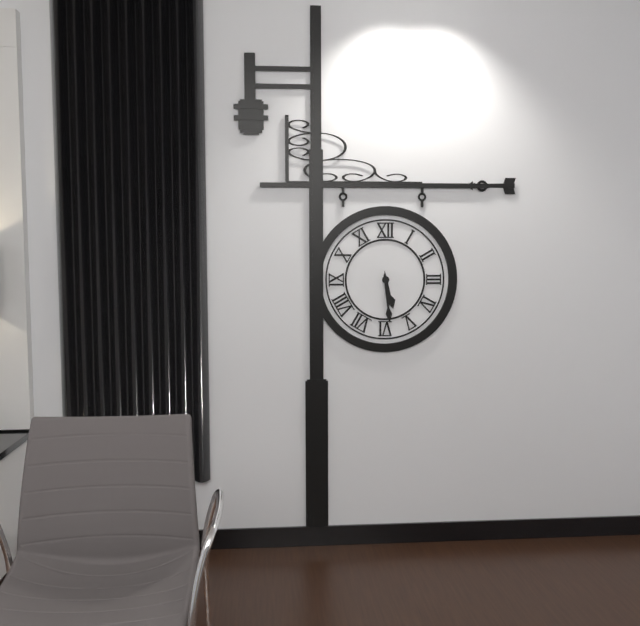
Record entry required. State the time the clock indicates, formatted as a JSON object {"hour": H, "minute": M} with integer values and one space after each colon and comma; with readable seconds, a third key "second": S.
{"hour": 5, "minute": 29}
